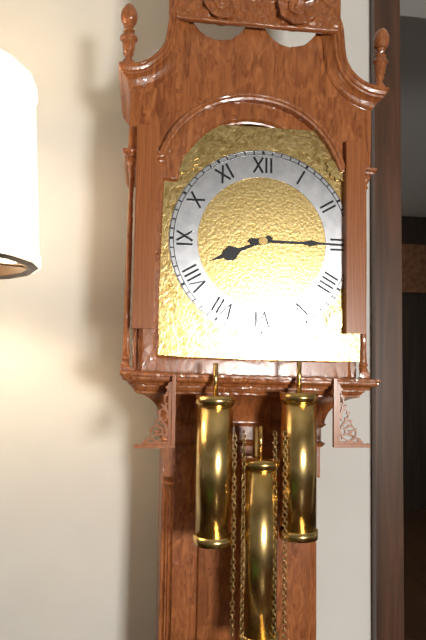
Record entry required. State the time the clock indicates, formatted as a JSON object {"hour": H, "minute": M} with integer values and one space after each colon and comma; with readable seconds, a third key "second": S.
{"hour": 8, "minute": 15}
